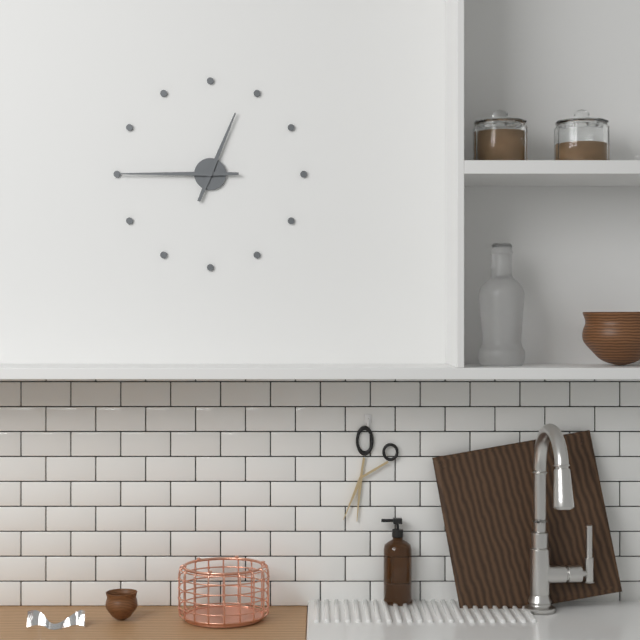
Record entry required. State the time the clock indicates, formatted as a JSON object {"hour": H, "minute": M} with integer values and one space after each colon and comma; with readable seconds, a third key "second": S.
{"hour": 12, "minute": 45}
